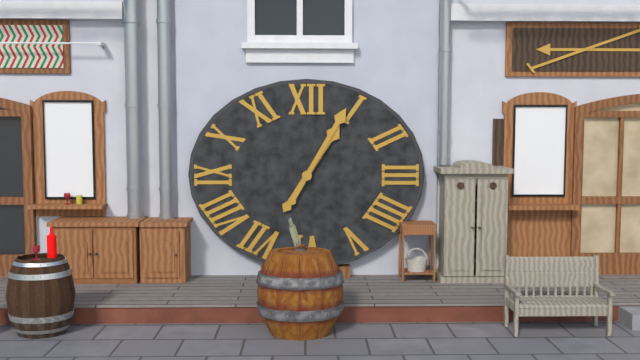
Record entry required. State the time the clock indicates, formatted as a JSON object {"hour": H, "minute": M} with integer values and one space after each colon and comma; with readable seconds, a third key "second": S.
{"hour": 1, "minute": 5}
